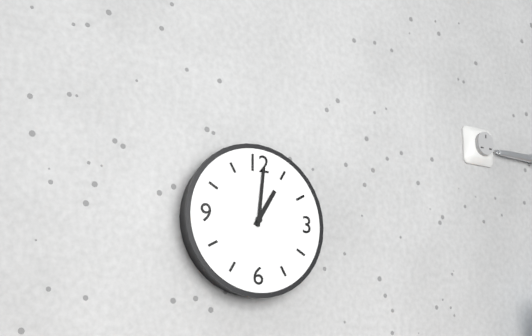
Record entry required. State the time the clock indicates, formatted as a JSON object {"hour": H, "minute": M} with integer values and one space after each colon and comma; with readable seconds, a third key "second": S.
{"hour": 1, "minute": 1}
